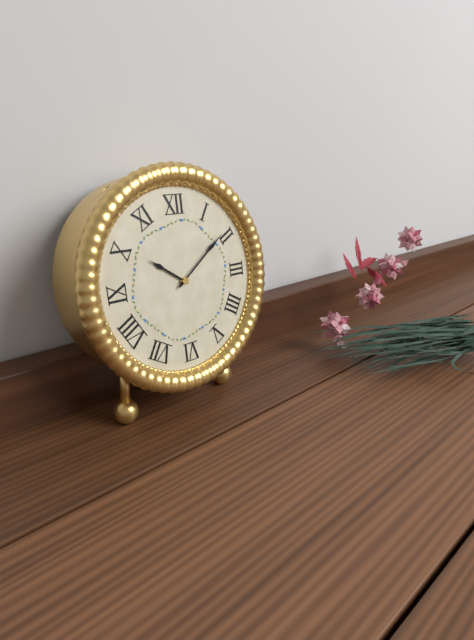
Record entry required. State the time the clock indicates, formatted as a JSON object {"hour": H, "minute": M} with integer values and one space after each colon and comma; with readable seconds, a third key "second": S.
{"hour": 10, "minute": 9}
